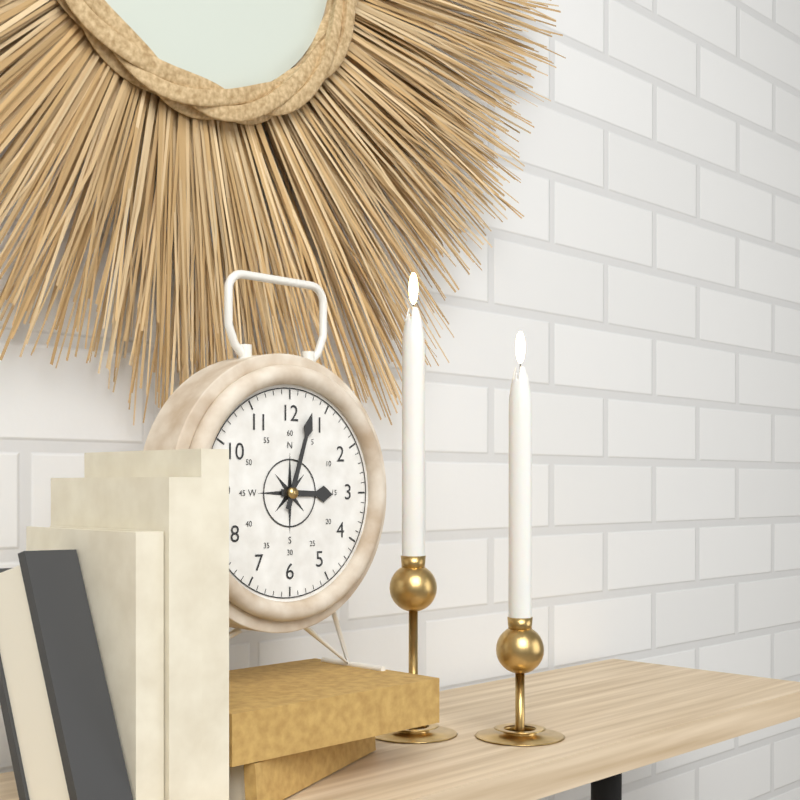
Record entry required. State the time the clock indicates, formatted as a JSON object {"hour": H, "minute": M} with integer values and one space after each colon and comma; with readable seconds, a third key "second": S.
{"hour": 3, "minute": 3}
